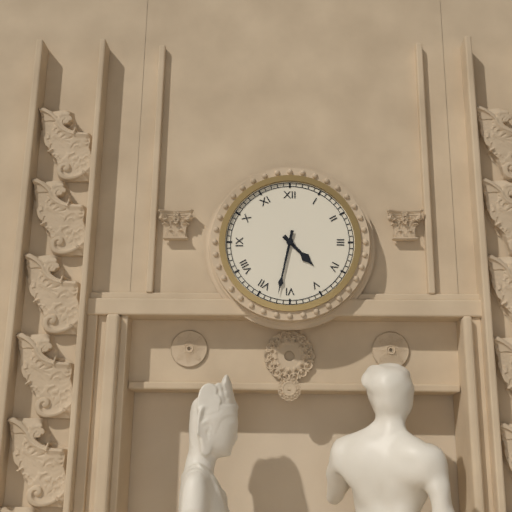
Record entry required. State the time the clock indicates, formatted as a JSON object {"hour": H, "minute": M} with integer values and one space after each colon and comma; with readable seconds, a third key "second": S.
{"hour": 4, "minute": 32}
